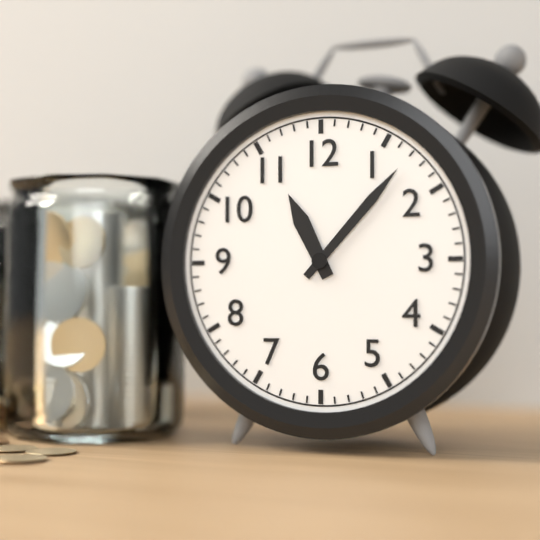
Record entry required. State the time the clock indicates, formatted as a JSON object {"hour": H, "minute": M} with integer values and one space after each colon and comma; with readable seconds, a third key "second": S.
{"hour": 11, "minute": 7}
